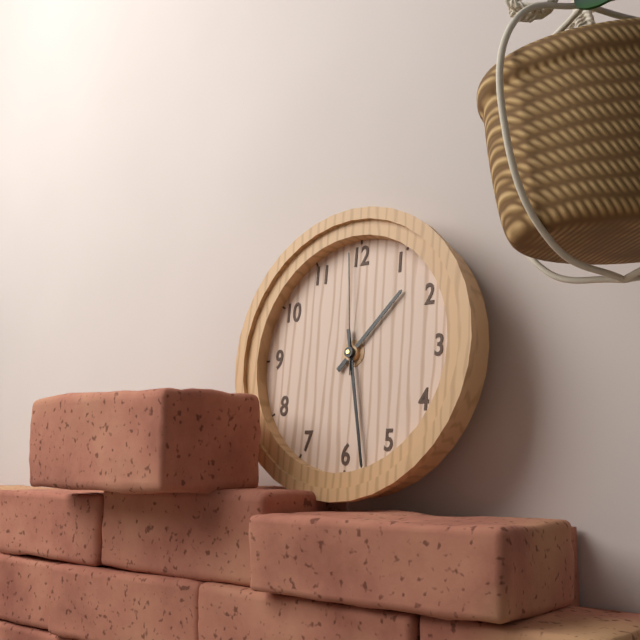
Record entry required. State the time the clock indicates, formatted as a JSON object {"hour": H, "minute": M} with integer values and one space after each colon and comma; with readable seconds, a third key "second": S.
{"hour": 1, "minute": 28, "second": 59}
